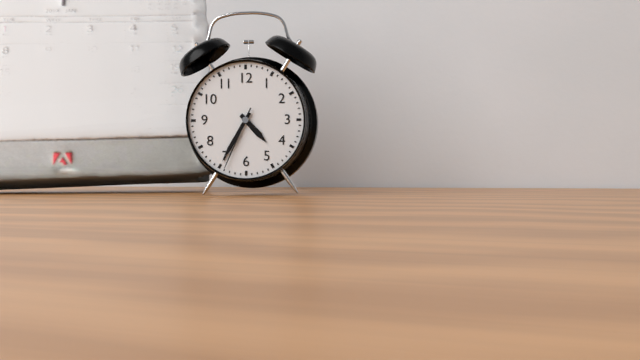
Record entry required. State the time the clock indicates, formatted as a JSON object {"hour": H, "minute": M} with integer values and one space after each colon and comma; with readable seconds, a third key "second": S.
{"hour": 4, "minute": 35, "second": 34}
